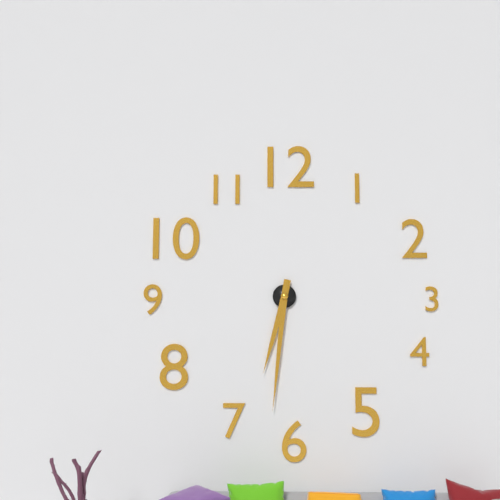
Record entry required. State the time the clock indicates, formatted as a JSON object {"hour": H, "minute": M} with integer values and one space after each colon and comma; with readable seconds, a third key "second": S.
{"hour": 6, "minute": 31}
